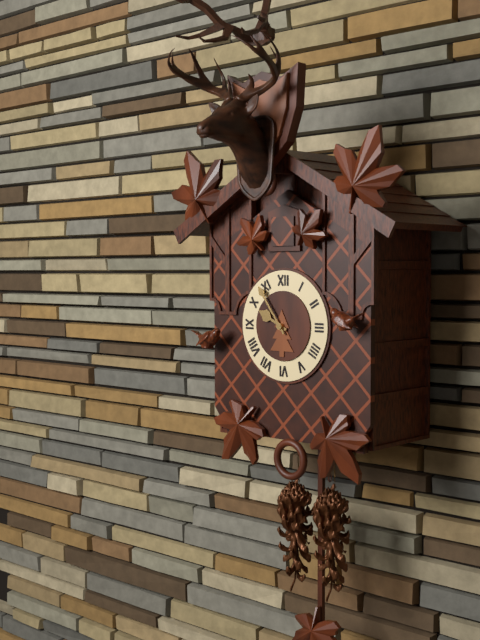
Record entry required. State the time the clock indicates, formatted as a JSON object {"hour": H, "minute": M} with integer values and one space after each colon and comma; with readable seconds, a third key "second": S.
{"hour": 9, "minute": 54}
